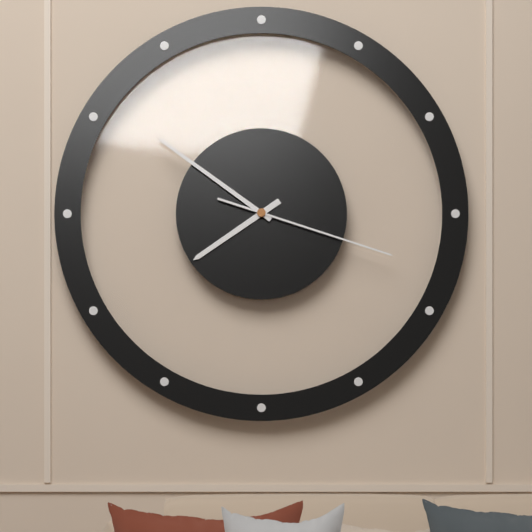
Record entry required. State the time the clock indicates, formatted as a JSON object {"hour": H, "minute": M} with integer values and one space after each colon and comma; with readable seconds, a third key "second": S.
{"hour": 7, "minute": 51, "second": 18}
